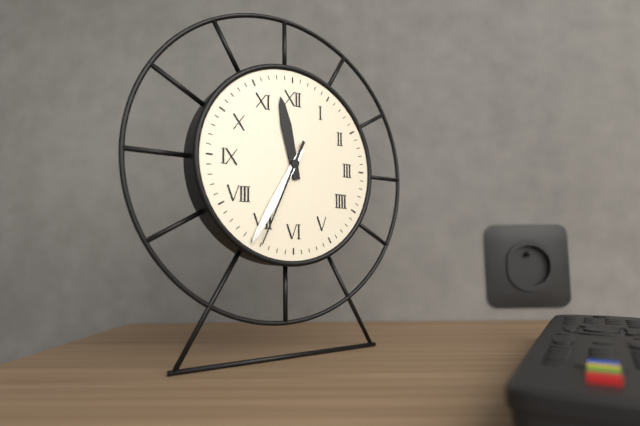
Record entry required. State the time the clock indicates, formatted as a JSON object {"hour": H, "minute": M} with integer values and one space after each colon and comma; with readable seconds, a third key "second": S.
{"hour": 11, "minute": 35, "second": 34}
